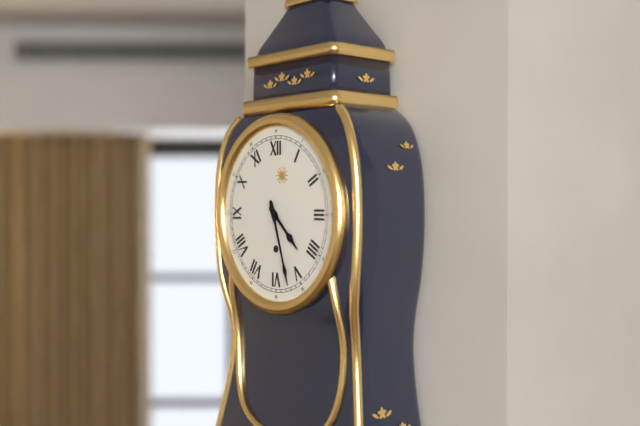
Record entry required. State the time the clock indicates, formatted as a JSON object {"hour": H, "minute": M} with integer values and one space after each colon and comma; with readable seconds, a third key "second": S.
{"hour": 4, "minute": 27}
